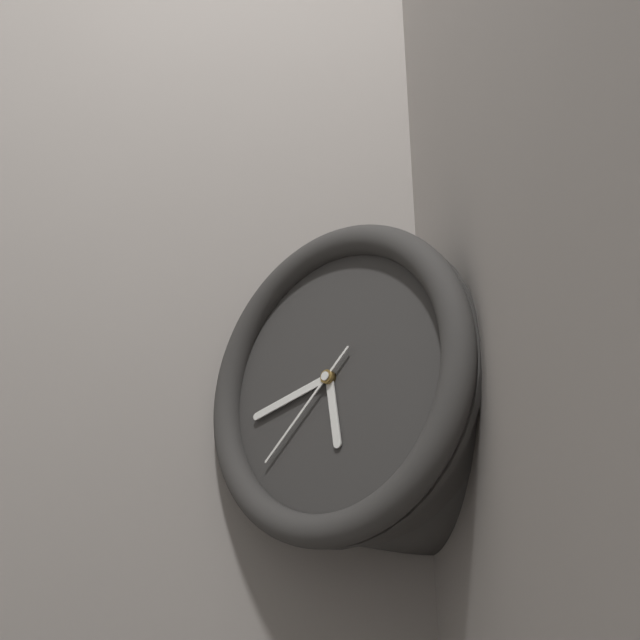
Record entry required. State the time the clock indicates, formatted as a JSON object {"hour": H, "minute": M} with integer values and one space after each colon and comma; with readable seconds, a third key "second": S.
{"hour": 5, "minute": 43, "second": 38}
